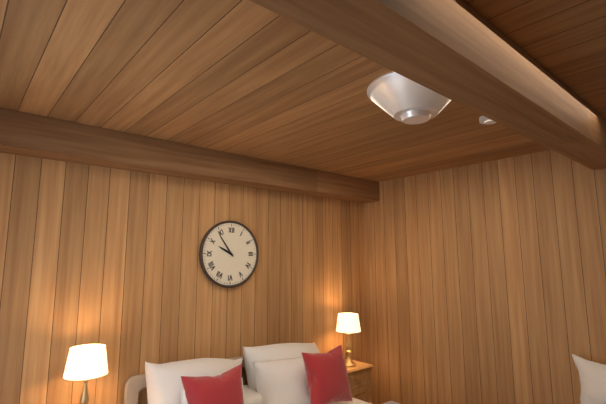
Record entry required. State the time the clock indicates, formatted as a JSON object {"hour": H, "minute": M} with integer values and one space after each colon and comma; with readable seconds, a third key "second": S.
{"hour": 9, "minute": 54}
